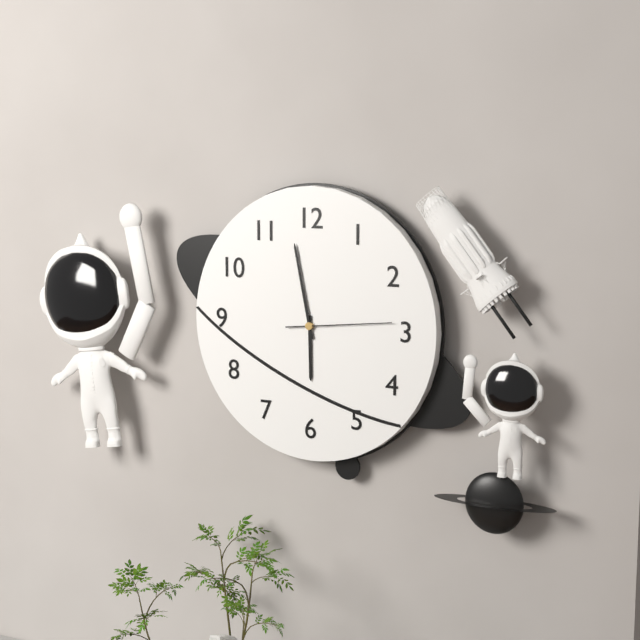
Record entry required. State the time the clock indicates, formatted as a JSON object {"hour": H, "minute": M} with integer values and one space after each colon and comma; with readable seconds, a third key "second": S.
{"hour": 5, "minute": 58, "second": 14}
